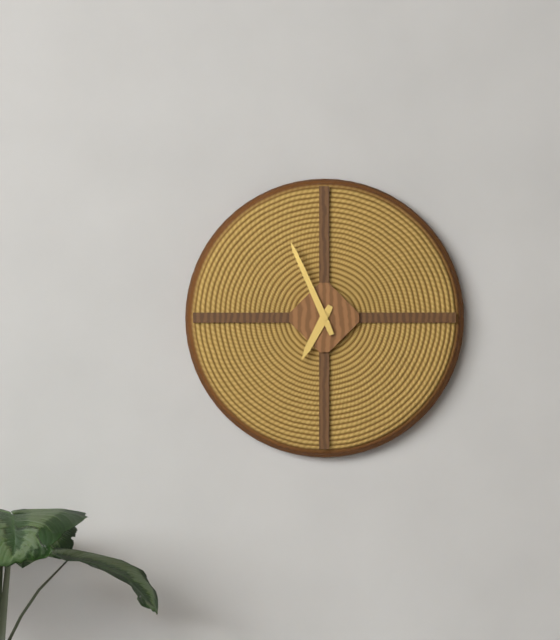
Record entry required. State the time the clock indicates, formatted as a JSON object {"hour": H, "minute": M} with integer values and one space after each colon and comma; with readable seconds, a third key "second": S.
{"hour": 6, "minute": 56}
